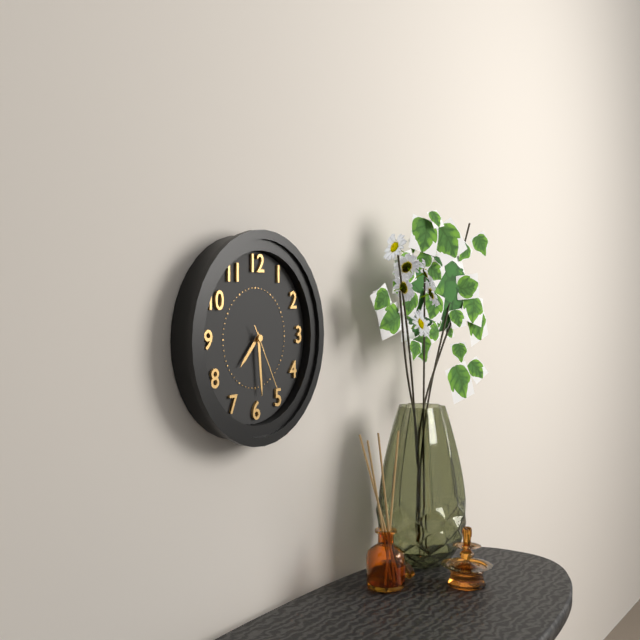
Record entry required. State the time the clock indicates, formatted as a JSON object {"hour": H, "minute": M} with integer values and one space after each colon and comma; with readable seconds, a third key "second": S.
{"hour": 7, "minute": 29, "second": 25}
